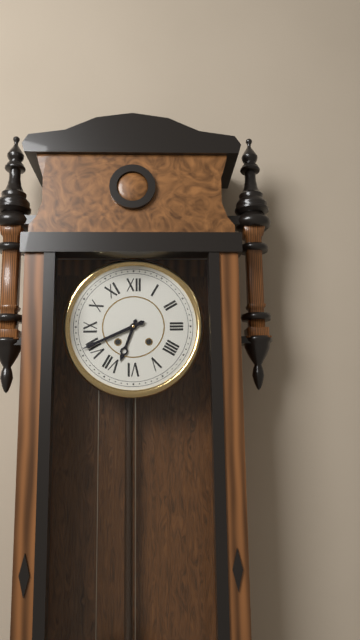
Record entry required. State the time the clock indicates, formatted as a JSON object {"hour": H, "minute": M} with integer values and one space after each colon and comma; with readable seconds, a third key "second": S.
{"hour": 6, "minute": 41}
